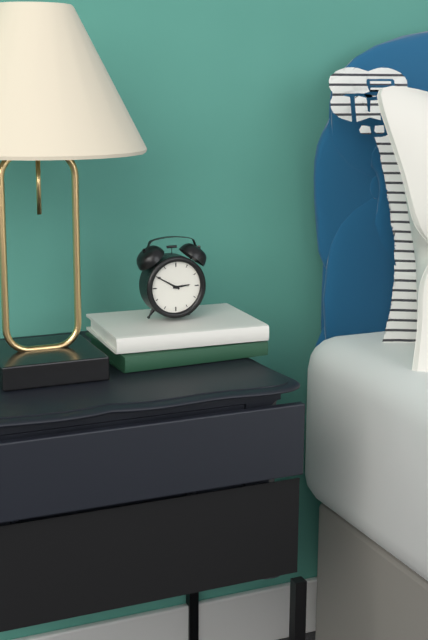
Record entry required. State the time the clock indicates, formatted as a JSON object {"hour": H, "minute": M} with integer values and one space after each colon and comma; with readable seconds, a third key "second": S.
{"hour": 2, "minute": 50}
